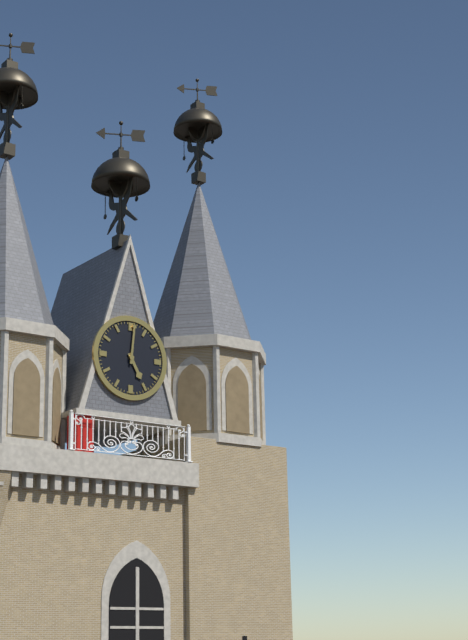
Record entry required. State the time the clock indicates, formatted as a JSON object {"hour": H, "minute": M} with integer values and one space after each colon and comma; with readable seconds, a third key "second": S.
{"hour": 5, "minute": 1}
